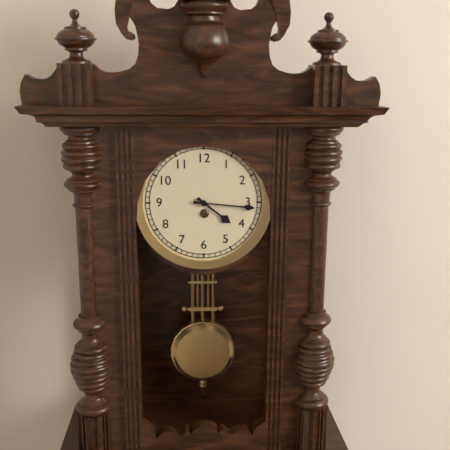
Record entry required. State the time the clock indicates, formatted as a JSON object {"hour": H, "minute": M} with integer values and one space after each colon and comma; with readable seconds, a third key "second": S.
{"hour": 4, "minute": 16}
